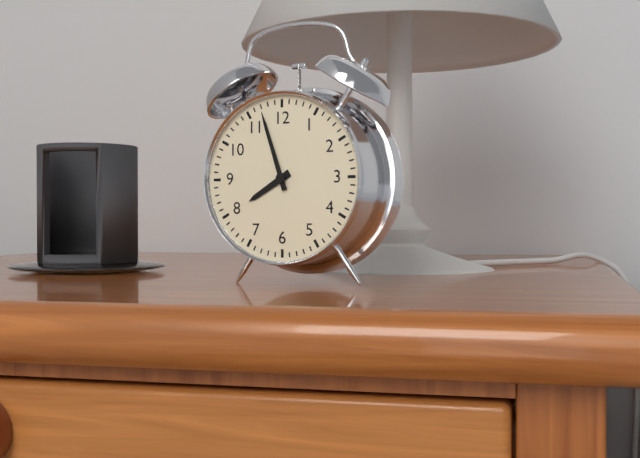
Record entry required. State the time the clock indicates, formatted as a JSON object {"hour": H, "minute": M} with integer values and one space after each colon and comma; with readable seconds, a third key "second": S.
{"hour": 7, "minute": 57}
